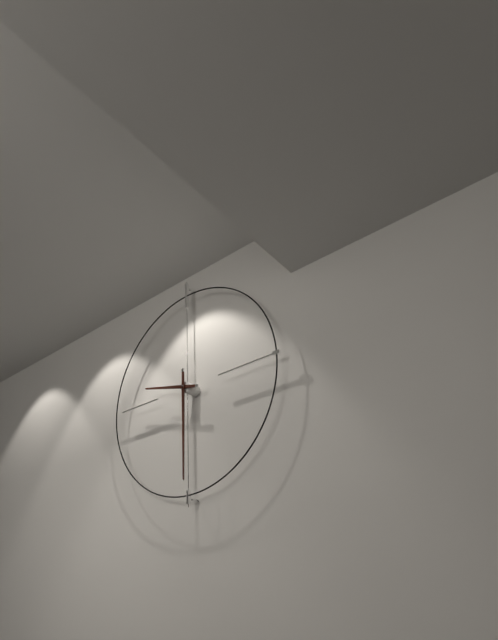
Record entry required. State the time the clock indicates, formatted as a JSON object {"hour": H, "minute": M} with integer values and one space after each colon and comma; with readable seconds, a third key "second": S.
{"hour": 9, "minute": 30}
